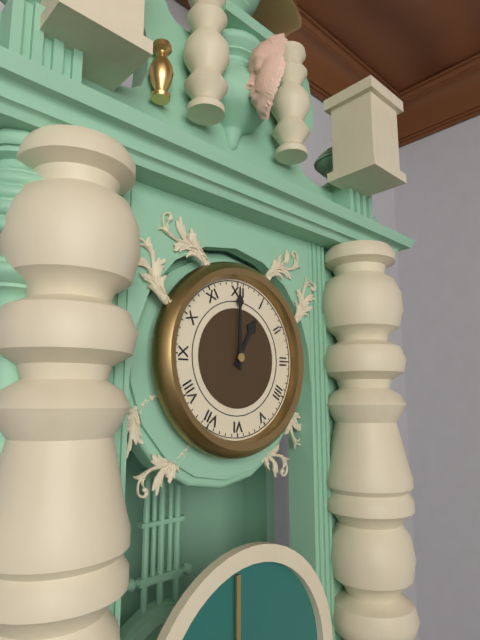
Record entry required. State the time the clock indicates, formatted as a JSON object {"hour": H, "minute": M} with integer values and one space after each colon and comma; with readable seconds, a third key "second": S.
{"hour": 1, "minute": 0}
